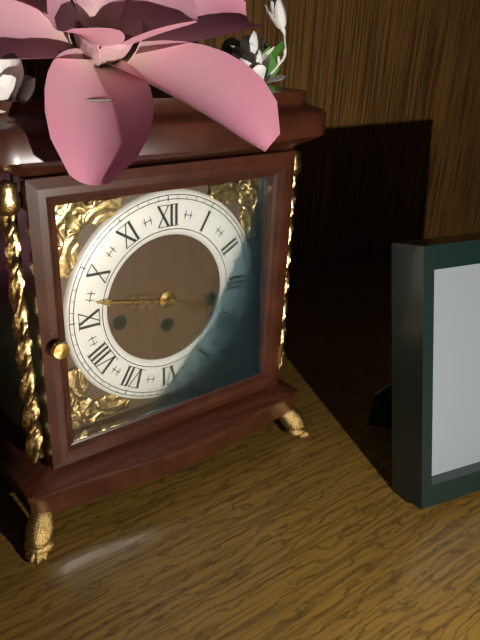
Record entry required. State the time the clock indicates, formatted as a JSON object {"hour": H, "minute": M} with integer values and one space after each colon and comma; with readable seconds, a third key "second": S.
{"hour": 3, "minute": 47}
